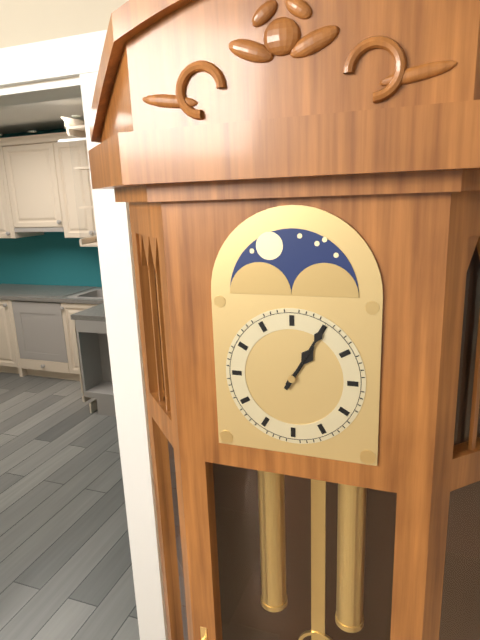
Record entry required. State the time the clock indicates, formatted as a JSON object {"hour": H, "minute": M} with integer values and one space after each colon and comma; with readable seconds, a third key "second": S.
{"hour": 1, "minute": 5}
